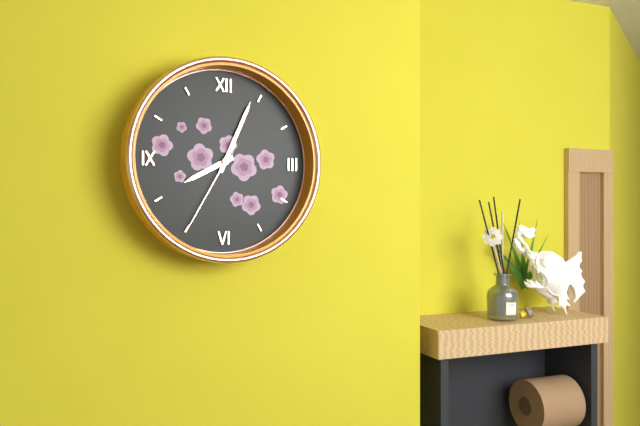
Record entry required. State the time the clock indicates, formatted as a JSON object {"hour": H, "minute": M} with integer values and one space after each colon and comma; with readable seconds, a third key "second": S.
{"hour": 8, "minute": 4, "second": 35}
